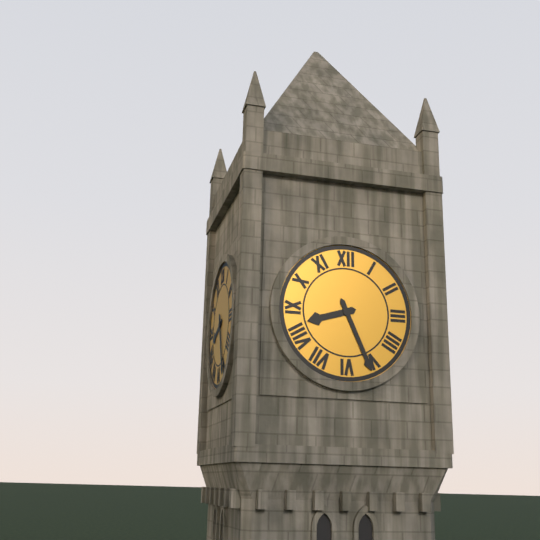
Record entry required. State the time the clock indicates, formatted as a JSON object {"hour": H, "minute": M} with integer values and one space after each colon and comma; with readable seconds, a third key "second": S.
{"hour": 8, "minute": 26}
